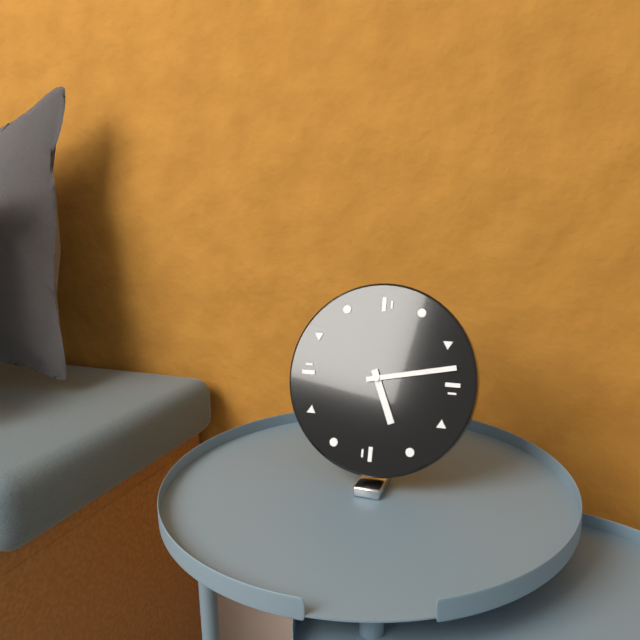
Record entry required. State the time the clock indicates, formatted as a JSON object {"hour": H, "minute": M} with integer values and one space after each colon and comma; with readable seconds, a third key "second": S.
{"hour": 5, "minute": 13}
